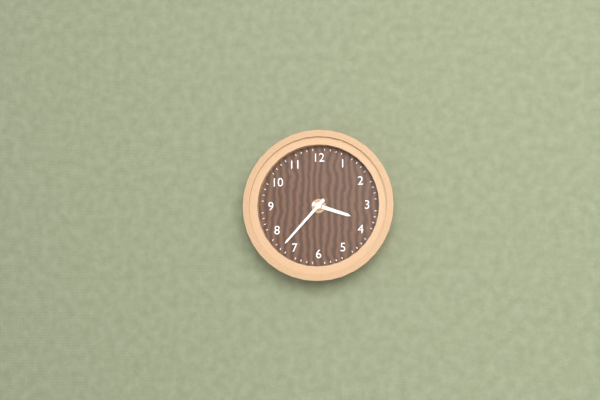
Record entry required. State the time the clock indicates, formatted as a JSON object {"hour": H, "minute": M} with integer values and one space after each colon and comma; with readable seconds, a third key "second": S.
{"hour": 3, "minute": 37}
